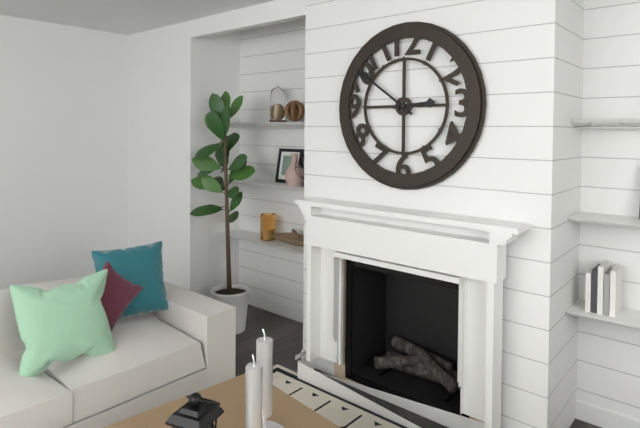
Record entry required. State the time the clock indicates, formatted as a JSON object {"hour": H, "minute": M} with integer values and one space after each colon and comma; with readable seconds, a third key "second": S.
{"hour": 2, "minute": 51}
